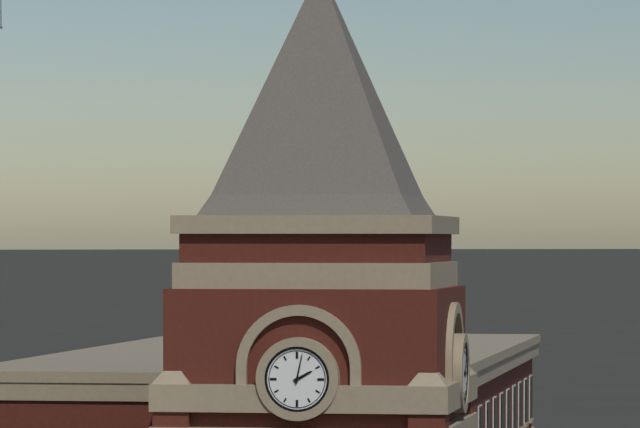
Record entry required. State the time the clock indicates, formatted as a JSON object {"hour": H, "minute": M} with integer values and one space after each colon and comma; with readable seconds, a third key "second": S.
{"hour": 2, "minute": 2}
